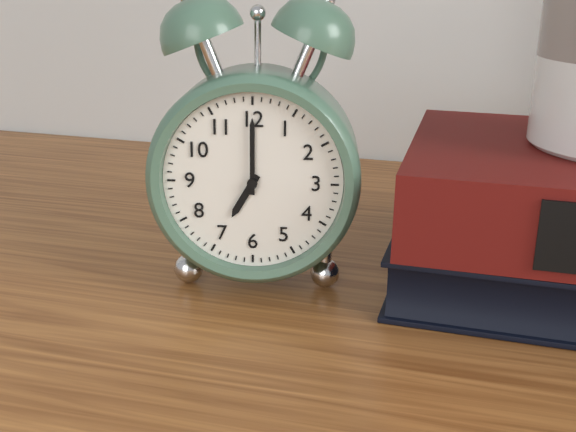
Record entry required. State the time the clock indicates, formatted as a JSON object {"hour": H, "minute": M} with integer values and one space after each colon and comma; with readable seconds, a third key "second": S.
{"hour": 7, "minute": 0}
